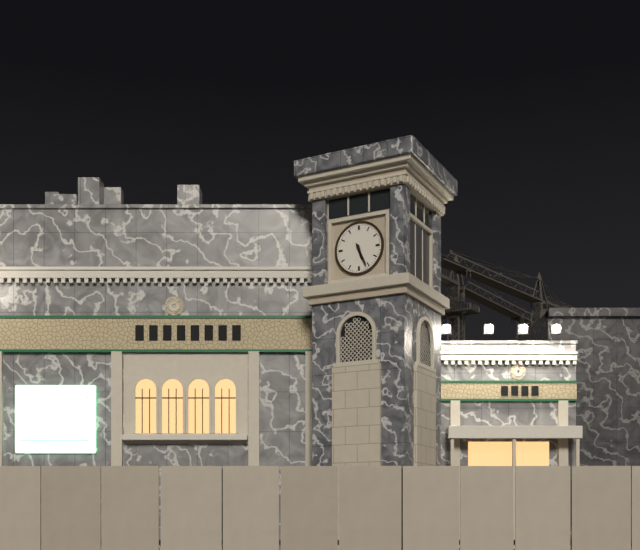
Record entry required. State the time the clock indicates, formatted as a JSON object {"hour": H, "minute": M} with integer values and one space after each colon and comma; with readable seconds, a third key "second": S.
{"hour": 5, "minute": 26}
